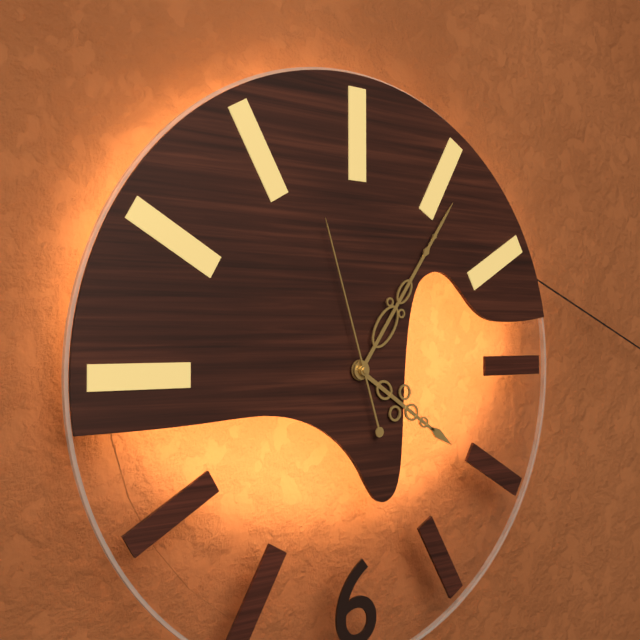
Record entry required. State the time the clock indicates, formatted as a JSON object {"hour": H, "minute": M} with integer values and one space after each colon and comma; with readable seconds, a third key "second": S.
{"hour": 4, "minute": 6, "second": 57}
